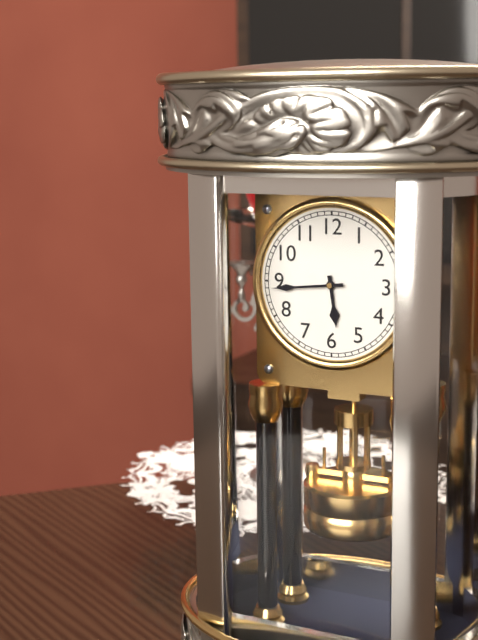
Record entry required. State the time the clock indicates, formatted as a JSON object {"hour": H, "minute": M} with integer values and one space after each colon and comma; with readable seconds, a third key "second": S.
{"hour": 5, "minute": 44}
